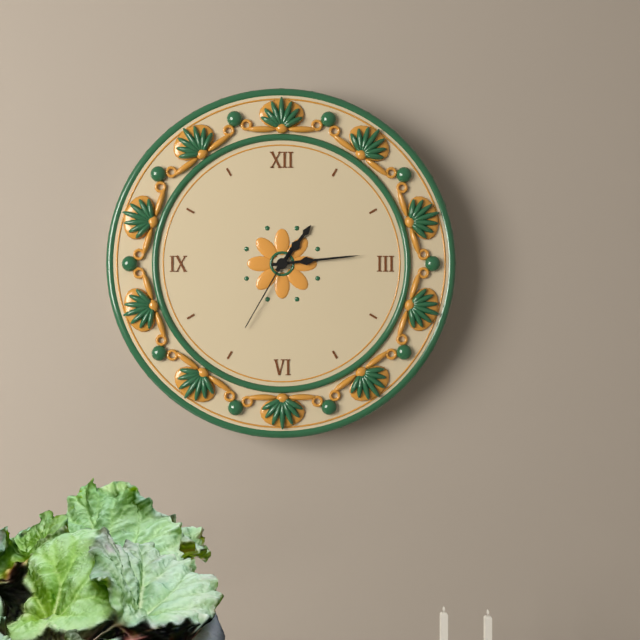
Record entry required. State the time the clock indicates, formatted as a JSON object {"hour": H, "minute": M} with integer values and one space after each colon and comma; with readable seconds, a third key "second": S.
{"hour": 1, "minute": 14, "second": 35}
